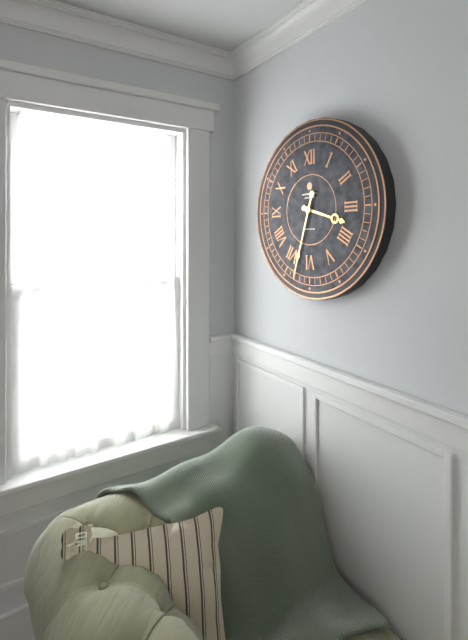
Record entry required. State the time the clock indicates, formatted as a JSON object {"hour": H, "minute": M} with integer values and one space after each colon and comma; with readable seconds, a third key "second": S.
{"hour": 3, "minute": 33}
